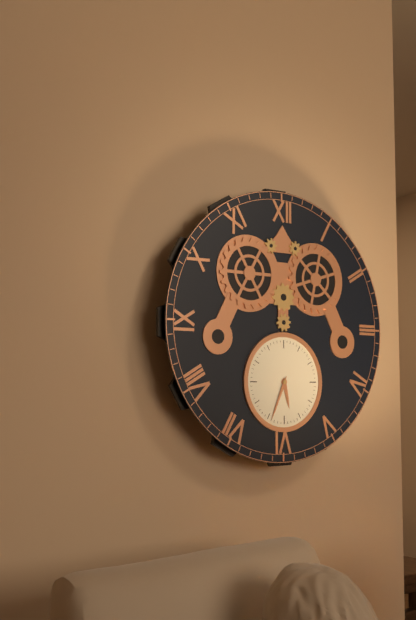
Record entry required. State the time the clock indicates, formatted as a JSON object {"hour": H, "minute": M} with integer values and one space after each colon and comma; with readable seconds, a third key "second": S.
{"hour": 5, "minute": 34}
